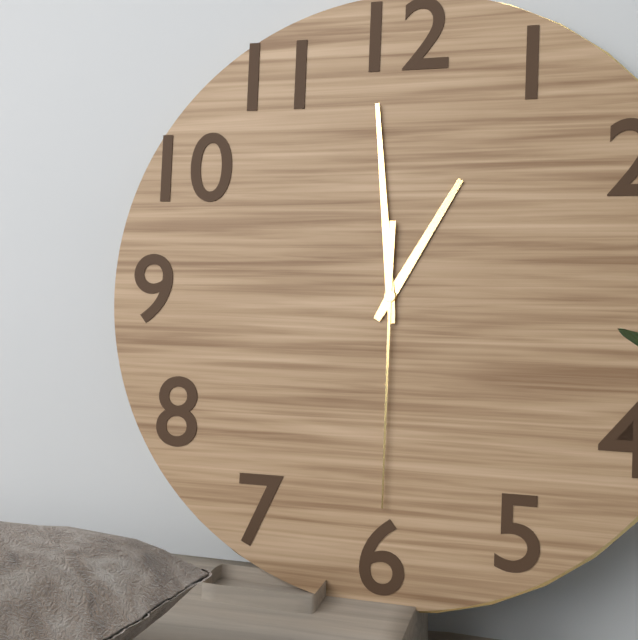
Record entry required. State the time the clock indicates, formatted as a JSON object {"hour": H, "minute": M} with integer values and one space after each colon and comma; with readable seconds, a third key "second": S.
{"hour": 12, "minute": 59, "second": 30}
